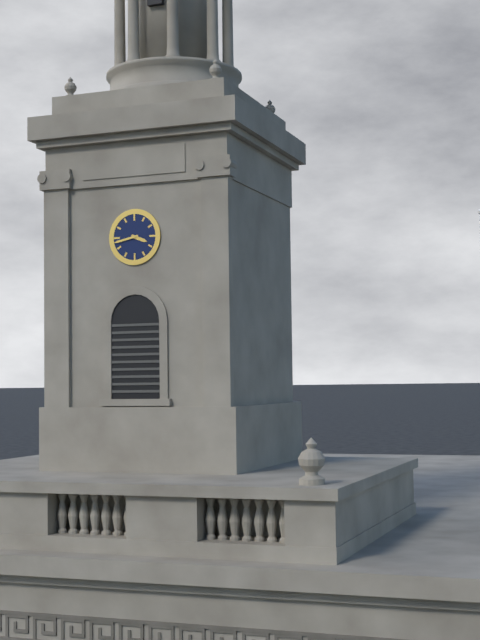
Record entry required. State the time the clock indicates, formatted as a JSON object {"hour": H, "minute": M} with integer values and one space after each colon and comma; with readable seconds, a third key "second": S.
{"hour": 3, "minute": 43}
